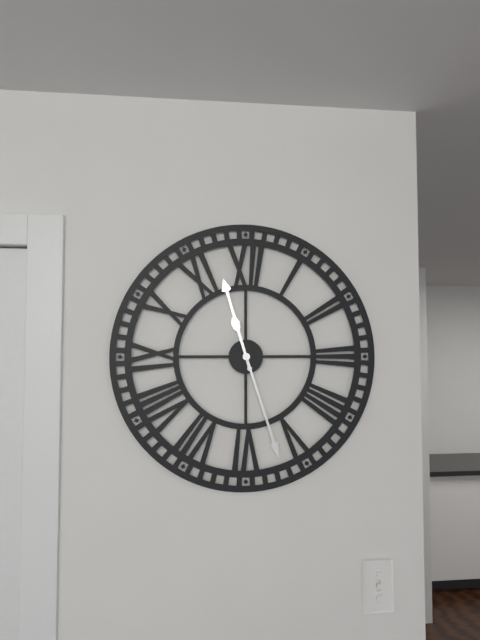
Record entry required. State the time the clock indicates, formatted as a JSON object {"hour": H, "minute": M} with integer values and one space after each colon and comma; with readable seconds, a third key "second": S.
{"hour": 11, "minute": 27}
